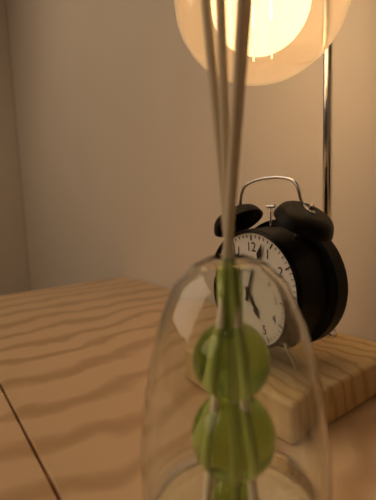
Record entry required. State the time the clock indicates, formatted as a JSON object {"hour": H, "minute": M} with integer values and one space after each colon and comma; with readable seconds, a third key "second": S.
{"hour": 5, "minute": 3}
